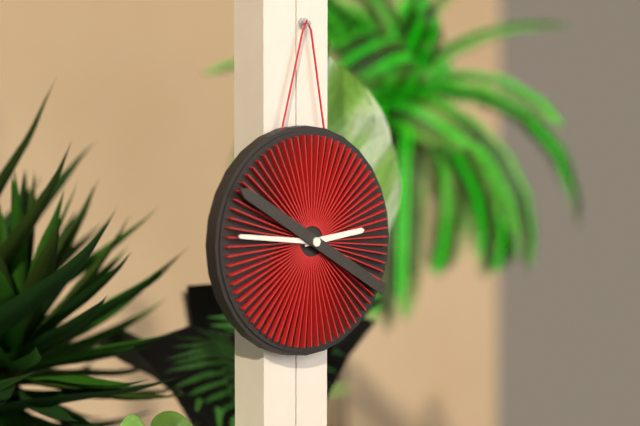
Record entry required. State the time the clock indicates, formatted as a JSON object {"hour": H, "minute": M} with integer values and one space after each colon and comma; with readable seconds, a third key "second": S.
{"hour": 2, "minute": 46, "second": 50}
